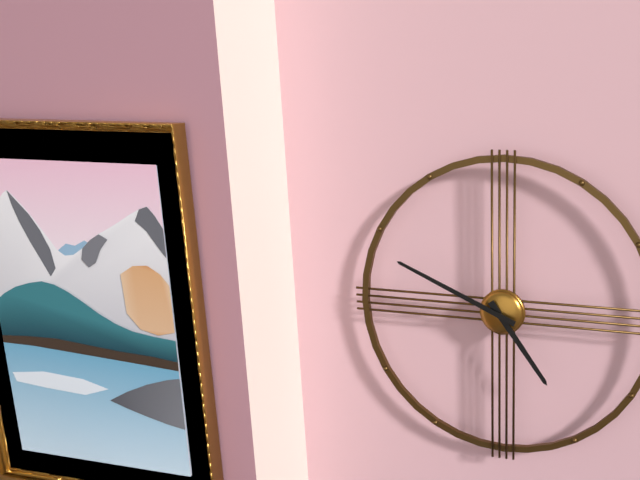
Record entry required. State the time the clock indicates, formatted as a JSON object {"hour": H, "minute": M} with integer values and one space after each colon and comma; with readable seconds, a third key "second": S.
{"hour": 4, "minute": 49}
